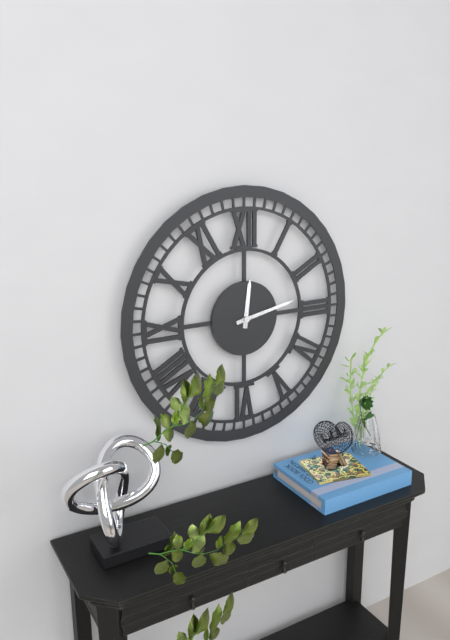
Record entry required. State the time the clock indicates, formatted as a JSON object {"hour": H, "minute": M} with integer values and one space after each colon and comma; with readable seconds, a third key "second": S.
{"hour": 12, "minute": 13}
